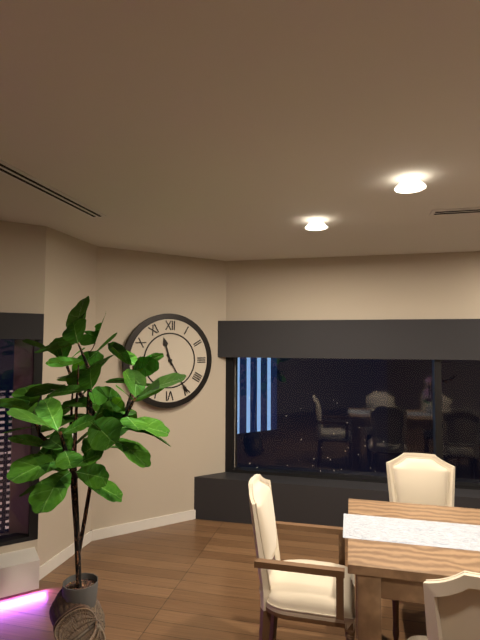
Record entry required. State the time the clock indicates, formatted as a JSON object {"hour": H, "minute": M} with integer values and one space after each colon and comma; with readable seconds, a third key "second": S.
{"hour": 11, "minute": 25}
